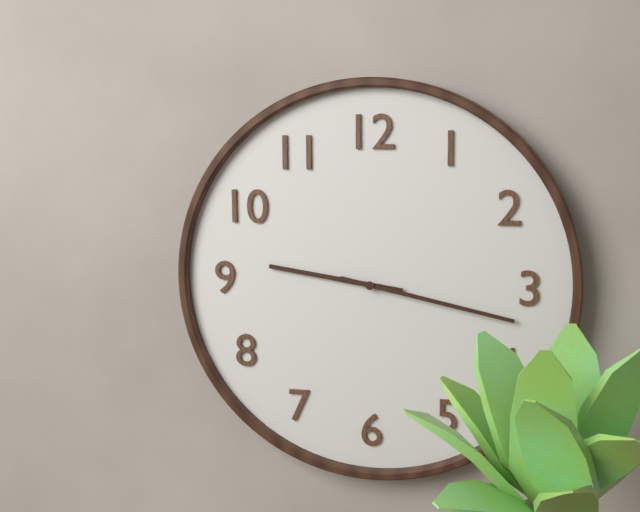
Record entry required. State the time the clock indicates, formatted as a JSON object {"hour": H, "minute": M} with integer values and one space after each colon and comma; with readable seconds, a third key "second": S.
{"hour": 9, "minute": 17}
